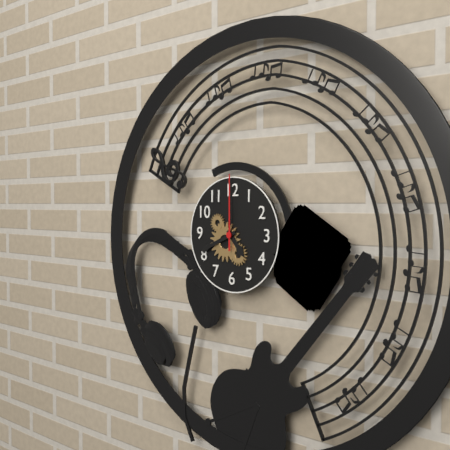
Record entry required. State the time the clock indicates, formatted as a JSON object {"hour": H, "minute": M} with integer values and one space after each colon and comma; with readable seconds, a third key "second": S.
{"hour": 4, "minute": 41, "second": 0}
